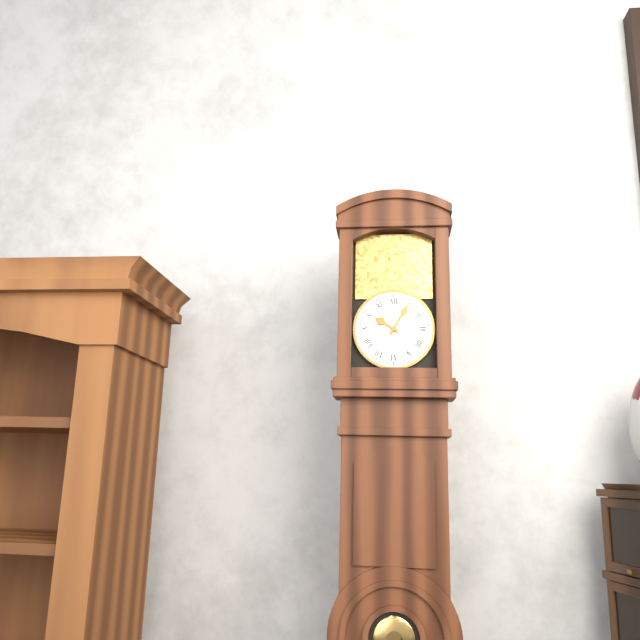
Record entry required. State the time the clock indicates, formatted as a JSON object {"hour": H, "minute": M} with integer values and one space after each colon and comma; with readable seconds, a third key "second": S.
{"hour": 10, "minute": 5}
